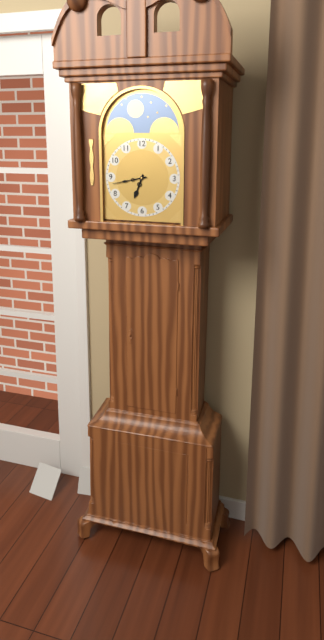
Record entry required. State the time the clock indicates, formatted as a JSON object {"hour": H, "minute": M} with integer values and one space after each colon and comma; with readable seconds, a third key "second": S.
{"hour": 6, "minute": 43}
